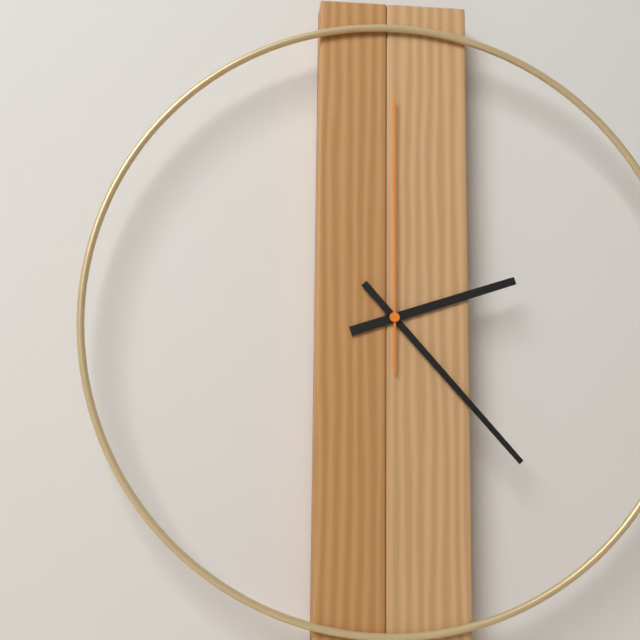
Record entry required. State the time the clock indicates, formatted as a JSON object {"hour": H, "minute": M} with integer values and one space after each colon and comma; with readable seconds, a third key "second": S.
{"hour": 2, "minute": 23, "second": 0}
